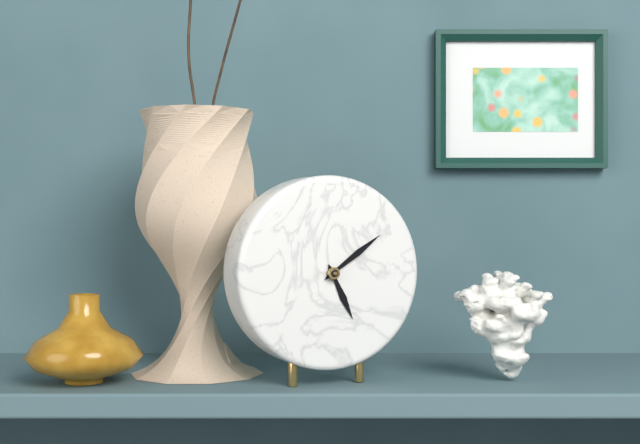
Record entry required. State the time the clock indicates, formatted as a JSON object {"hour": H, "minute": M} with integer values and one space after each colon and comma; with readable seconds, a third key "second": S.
{"hour": 5, "minute": 9}
